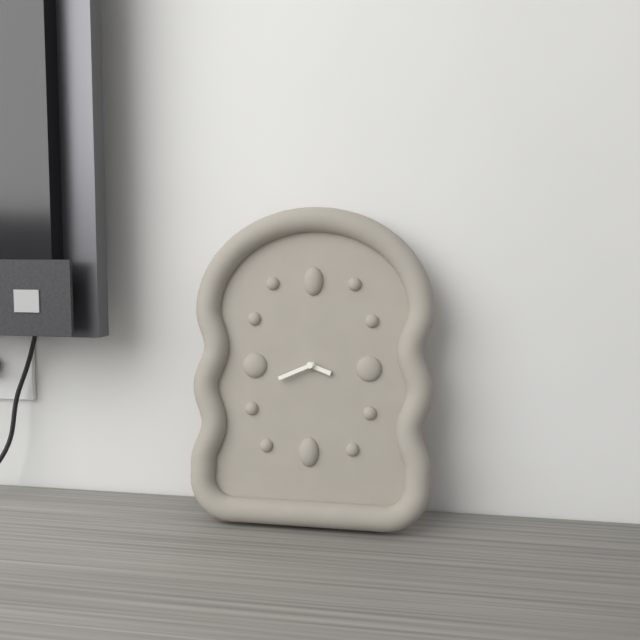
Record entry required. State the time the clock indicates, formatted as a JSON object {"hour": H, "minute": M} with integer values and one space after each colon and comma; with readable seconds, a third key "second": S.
{"hour": 3, "minute": 41}
